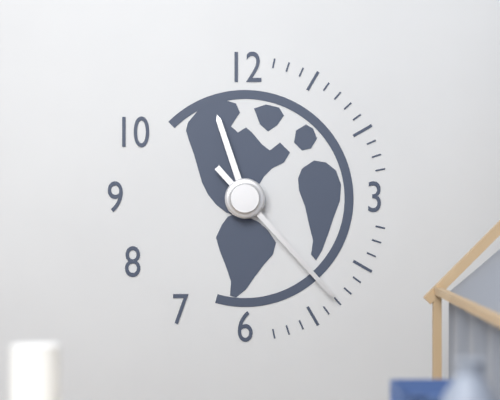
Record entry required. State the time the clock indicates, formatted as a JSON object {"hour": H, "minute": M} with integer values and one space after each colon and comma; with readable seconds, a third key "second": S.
{"hour": 11, "minute": 23}
